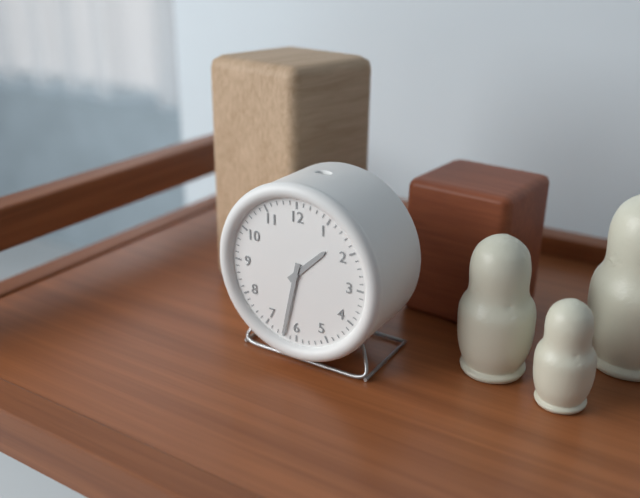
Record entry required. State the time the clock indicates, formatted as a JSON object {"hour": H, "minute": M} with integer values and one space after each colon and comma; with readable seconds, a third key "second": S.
{"hour": 1, "minute": 32}
